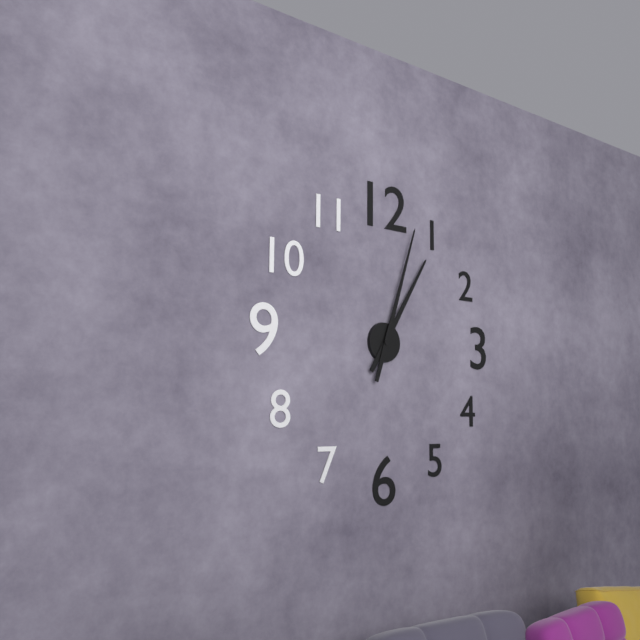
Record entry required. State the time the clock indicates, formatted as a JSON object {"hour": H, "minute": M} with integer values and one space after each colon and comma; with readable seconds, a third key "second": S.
{"hour": 1, "minute": 3}
